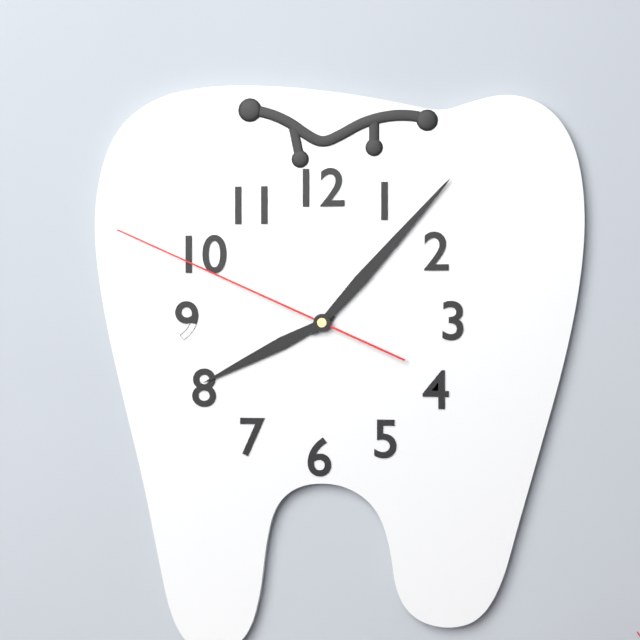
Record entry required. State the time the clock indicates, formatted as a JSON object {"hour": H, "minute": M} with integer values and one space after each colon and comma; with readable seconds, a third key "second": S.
{"hour": 8, "minute": 7, "second": 49}
